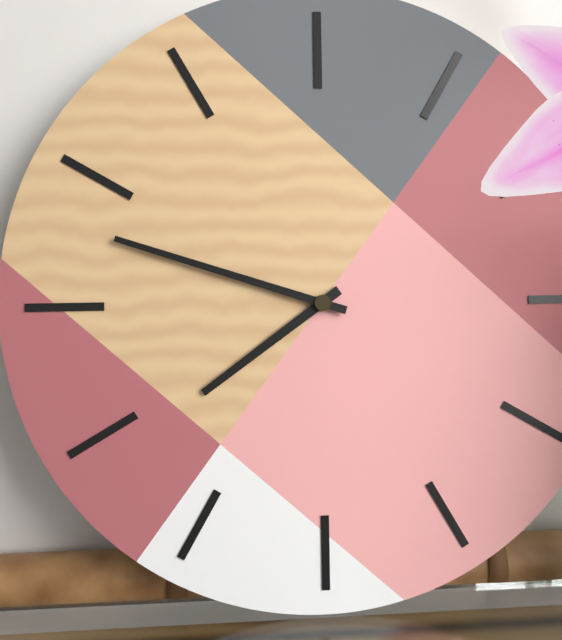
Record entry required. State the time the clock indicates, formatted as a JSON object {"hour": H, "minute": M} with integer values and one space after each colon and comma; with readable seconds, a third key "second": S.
{"hour": 7, "minute": 48}
